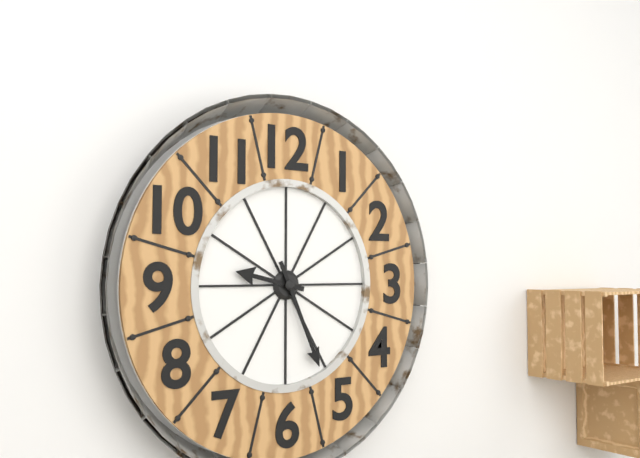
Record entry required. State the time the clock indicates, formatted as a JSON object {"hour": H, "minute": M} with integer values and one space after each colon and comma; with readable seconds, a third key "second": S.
{"hour": 9, "minute": 26}
